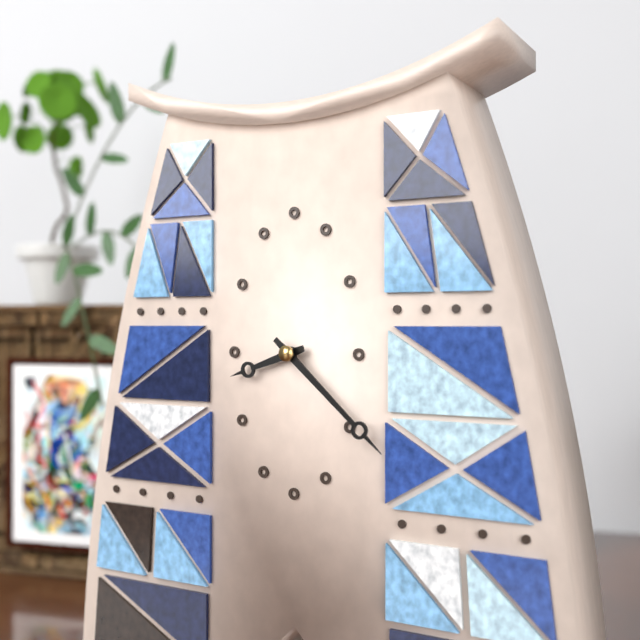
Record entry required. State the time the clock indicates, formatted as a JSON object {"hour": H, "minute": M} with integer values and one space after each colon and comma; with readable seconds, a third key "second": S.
{"hour": 8, "minute": 22}
